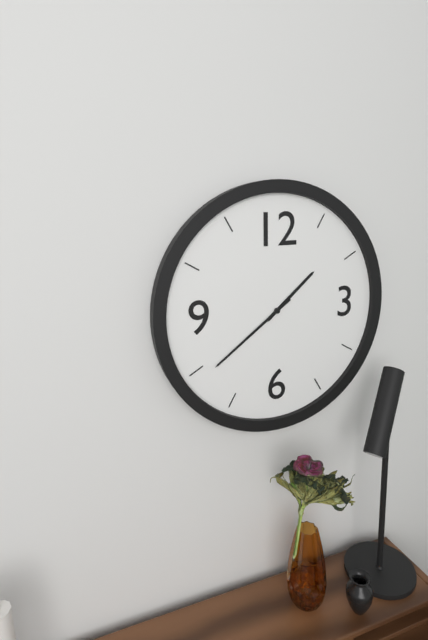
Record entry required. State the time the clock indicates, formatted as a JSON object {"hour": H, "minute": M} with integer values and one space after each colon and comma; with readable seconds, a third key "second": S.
{"hour": 1, "minute": 39}
